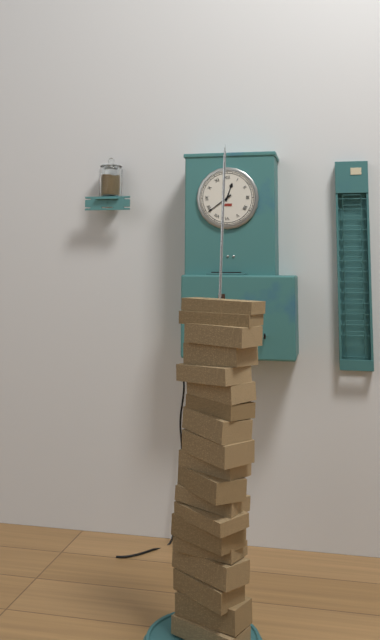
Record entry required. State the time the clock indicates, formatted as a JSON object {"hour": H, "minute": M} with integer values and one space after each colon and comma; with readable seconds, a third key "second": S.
{"hour": 12, "minute": 39}
